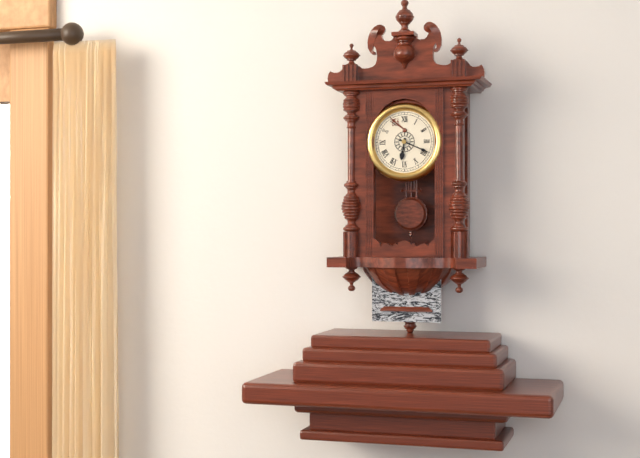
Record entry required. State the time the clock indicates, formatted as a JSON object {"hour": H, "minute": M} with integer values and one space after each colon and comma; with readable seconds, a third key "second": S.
{"hour": 6, "minute": 19}
